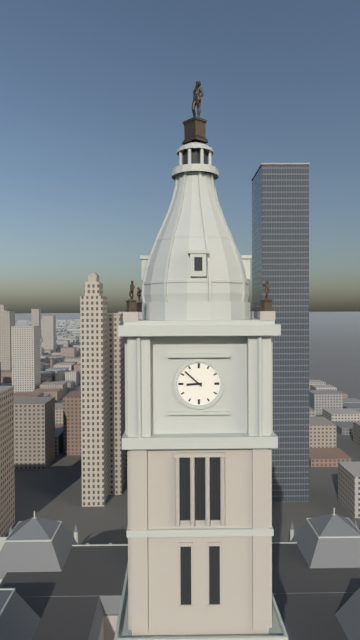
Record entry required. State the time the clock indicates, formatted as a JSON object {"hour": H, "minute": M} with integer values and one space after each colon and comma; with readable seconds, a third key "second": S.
{"hour": 8, "minute": 52}
